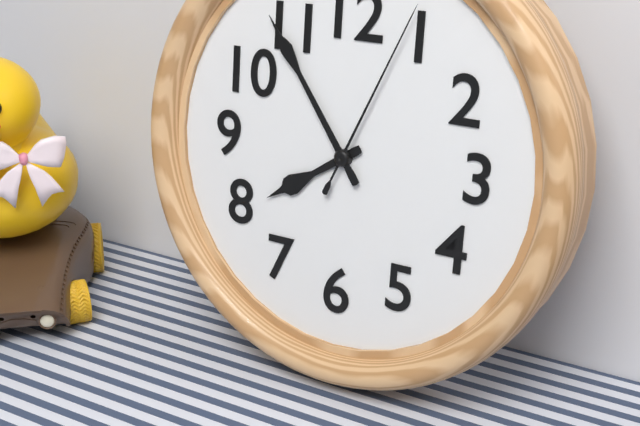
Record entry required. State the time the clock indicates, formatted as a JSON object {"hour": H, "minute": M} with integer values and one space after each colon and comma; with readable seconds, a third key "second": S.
{"hour": 7, "minute": 54, "second": 4}
